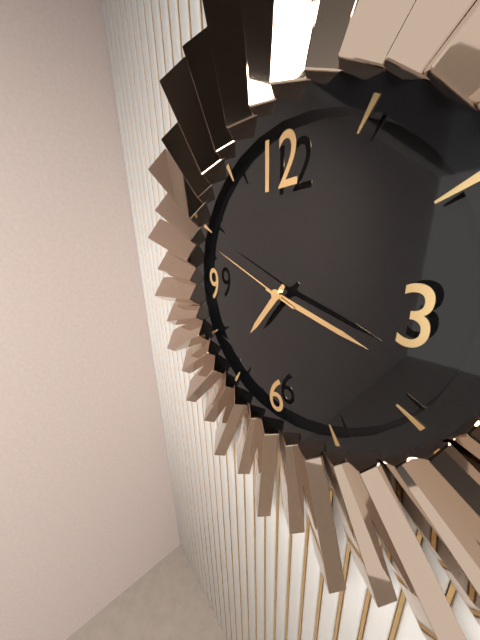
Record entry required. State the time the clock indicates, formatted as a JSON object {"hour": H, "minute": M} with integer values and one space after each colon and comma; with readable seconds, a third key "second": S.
{"hour": 7, "minute": 18, "second": 49}
